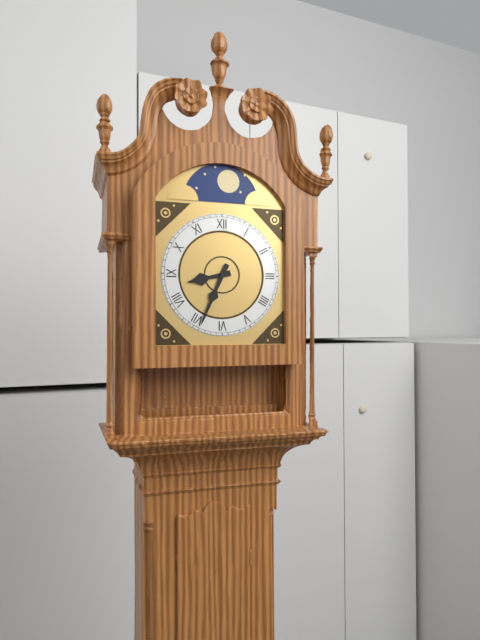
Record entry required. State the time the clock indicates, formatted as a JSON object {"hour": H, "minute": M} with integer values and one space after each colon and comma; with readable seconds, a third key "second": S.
{"hour": 8, "minute": 34}
